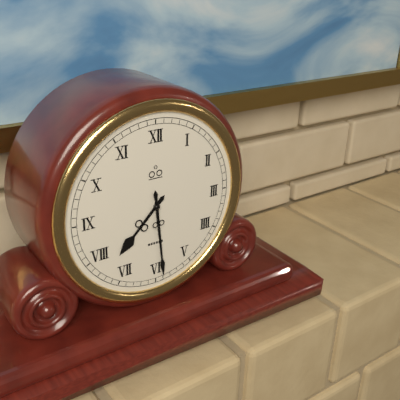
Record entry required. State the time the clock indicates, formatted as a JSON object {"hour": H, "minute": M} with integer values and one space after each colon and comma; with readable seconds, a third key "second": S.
{"hour": 7, "minute": 29}
